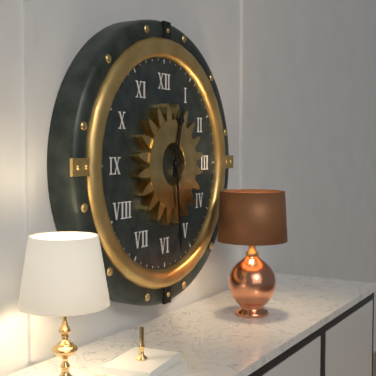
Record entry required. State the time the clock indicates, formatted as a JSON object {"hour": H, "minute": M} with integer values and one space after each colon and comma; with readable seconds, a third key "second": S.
{"hour": 12, "minute": 29}
